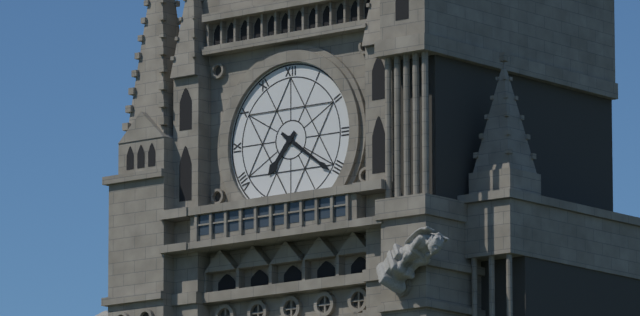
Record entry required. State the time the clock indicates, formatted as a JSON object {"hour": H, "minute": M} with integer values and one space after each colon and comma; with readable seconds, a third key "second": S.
{"hour": 7, "minute": 21}
